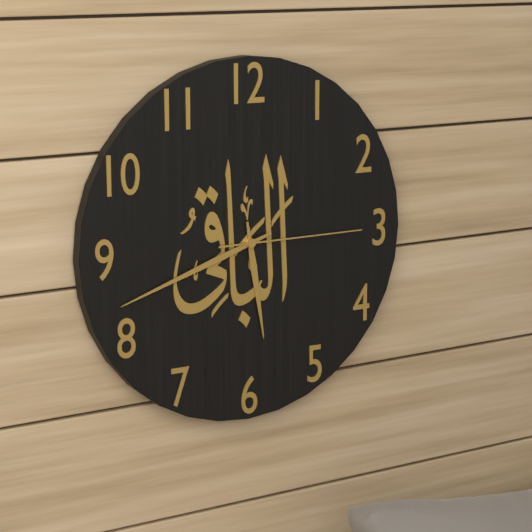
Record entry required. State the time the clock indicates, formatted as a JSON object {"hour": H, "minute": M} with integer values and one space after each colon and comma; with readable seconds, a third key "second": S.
{"hour": 5, "minute": 42, "second": 15}
